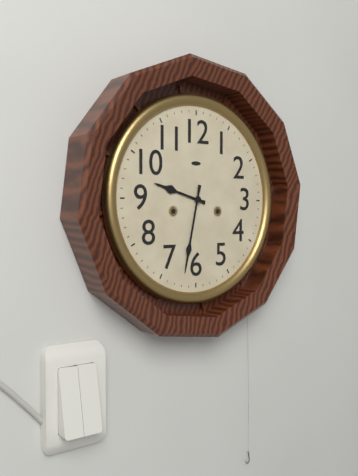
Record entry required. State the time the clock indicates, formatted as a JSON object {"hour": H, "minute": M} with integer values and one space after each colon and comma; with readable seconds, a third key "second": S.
{"hour": 9, "minute": 32}
